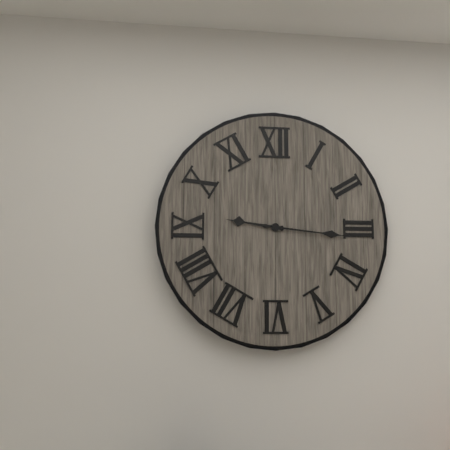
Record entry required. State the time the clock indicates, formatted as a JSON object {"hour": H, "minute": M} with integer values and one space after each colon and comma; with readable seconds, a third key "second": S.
{"hour": 9, "minute": 16}
